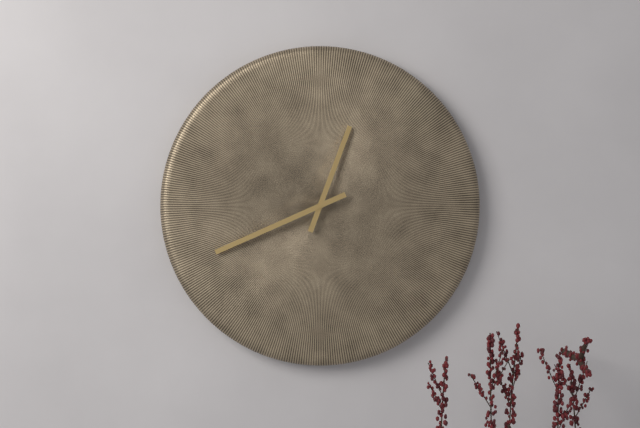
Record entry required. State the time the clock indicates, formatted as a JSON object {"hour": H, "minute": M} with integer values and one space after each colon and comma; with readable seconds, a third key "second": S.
{"hour": 12, "minute": 41}
